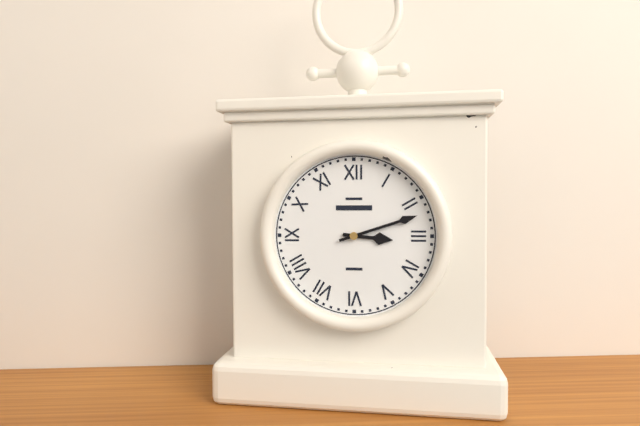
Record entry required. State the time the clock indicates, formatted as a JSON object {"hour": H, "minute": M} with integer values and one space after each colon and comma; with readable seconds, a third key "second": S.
{"hour": 3, "minute": 12}
